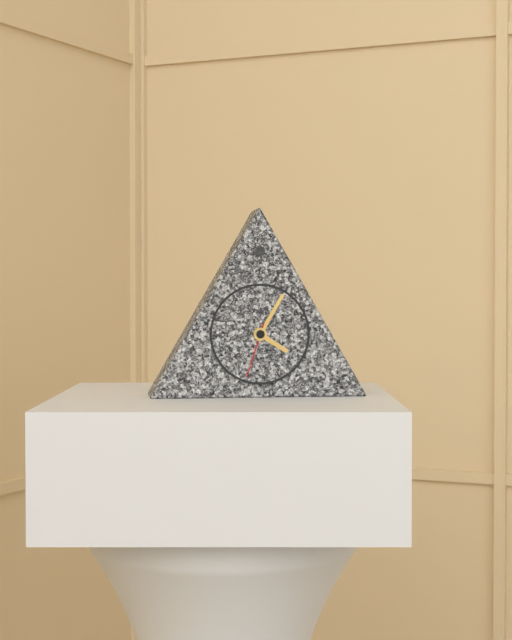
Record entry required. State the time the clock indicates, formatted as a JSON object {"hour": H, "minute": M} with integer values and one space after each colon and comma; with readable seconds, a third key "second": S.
{"hour": 4, "minute": 5, "second": 33}
